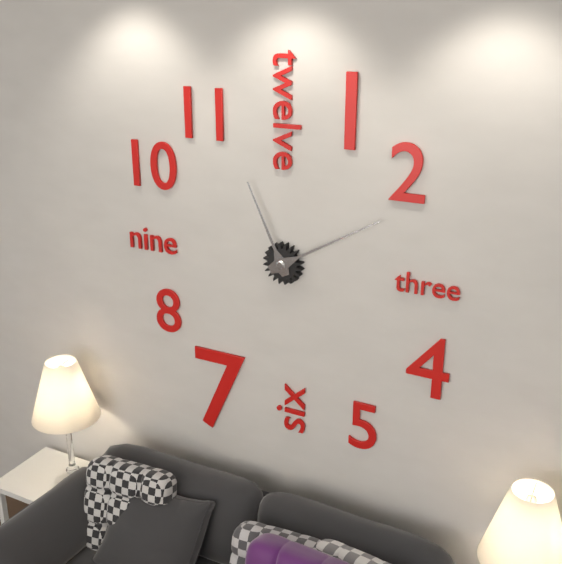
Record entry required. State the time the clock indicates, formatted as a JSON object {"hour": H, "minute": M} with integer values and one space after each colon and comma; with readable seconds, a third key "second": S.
{"hour": 11, "minute": 10}
